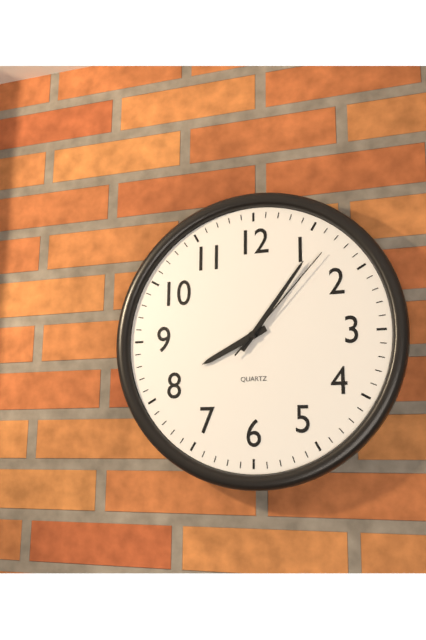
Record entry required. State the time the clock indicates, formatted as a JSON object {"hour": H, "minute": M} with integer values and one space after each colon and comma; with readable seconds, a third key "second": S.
{"hour": 8, "minute": 6, "second": 7}
